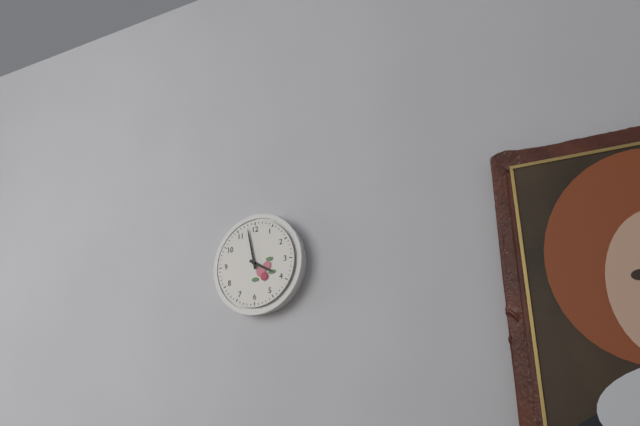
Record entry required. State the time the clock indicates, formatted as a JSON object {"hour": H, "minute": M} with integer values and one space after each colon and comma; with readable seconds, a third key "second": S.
{"hour": 3, "minute": 58}
